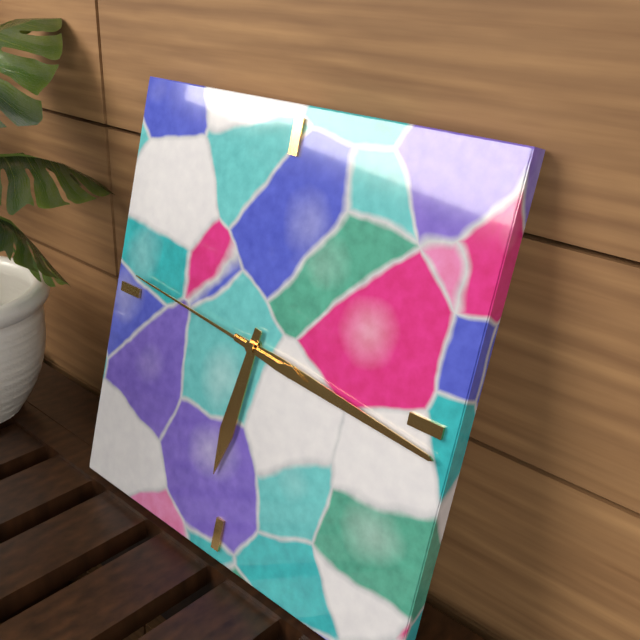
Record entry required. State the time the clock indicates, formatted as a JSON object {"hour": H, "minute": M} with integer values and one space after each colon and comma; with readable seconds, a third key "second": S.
{"hour": 6, "minute": 16, "second": 46}
